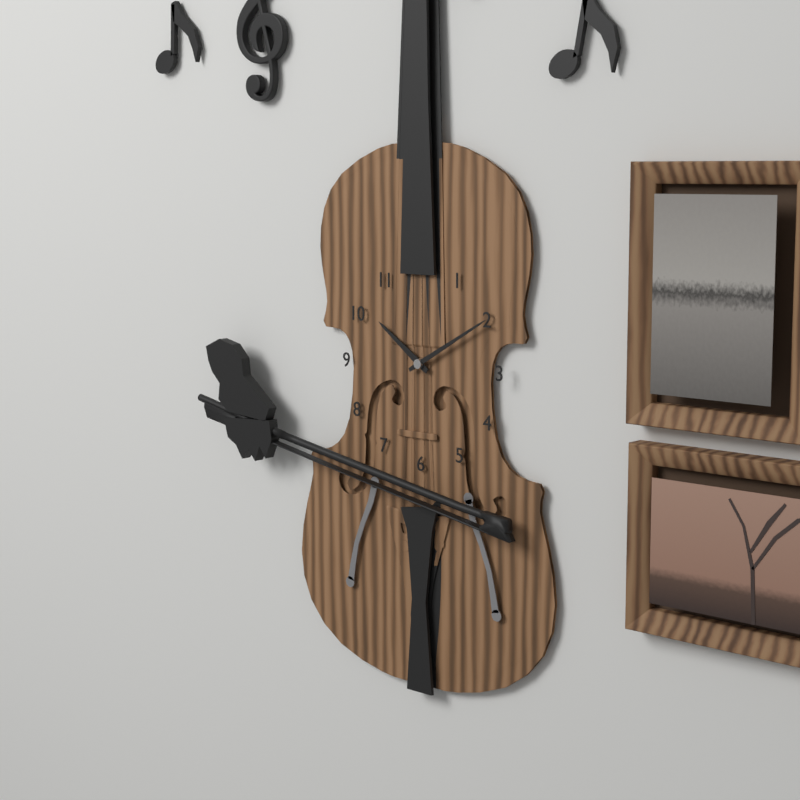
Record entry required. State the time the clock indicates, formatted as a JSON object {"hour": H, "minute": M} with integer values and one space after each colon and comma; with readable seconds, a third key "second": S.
{"hour": 10, "minute": 10}
